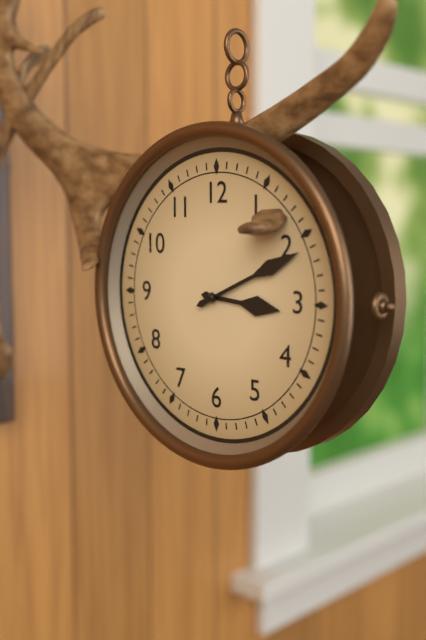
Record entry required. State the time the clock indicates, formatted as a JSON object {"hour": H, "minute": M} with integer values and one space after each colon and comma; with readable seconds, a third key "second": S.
{"hour": 3, "minute": 11}
